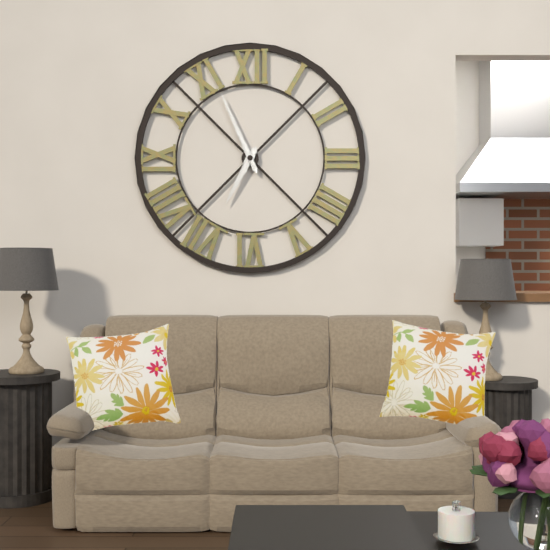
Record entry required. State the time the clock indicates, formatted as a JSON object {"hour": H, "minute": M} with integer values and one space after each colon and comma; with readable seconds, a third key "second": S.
{"hour": 6, "minute": 56}
